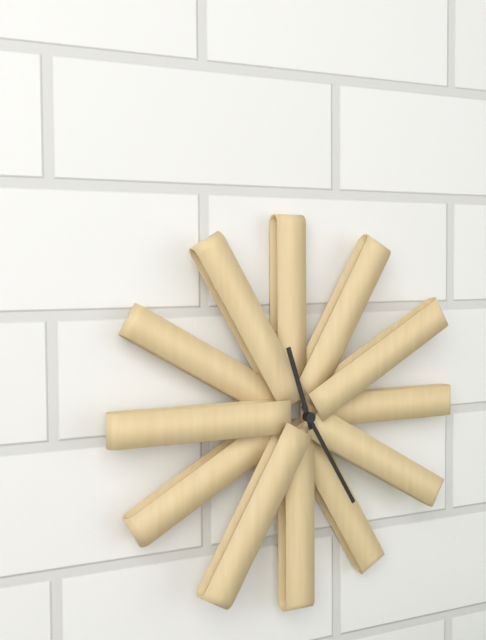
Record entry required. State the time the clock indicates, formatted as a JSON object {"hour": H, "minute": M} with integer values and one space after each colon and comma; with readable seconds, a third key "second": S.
{"hour": 11, "minute": 25}
